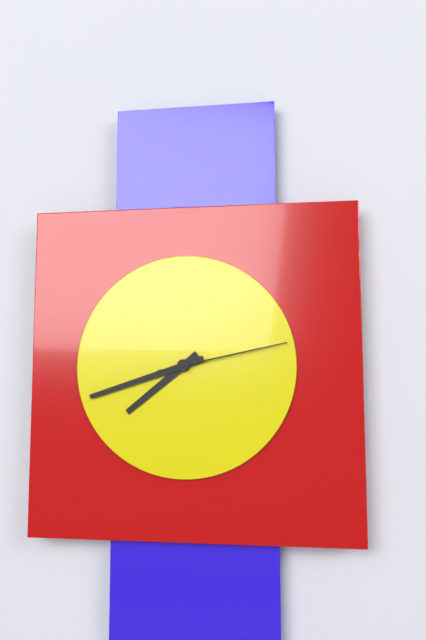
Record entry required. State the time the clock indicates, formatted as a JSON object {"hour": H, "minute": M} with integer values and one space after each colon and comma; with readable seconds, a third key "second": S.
{"hour": 7, "minute": 42, "second": 13}
